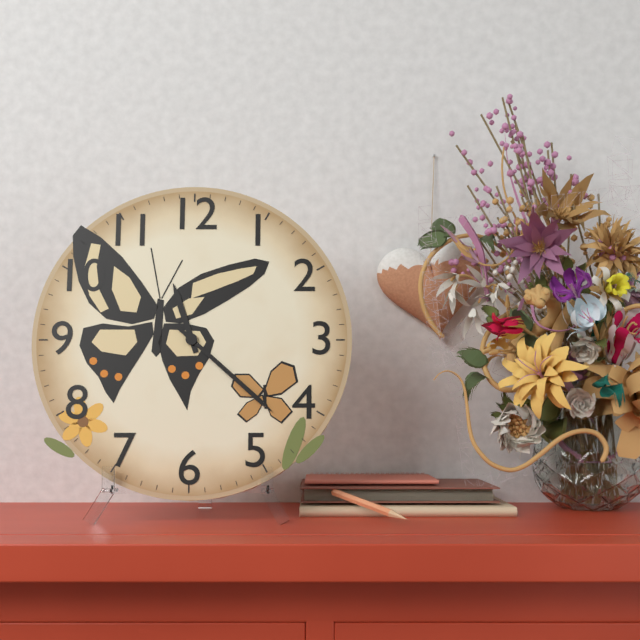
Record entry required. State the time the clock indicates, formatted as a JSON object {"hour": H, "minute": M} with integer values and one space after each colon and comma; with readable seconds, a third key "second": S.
{"hour": 11, "minute": 22}
